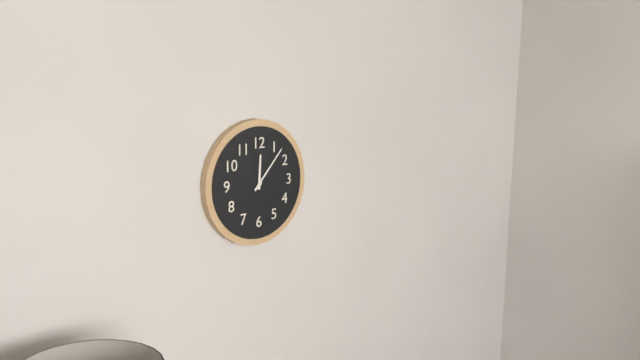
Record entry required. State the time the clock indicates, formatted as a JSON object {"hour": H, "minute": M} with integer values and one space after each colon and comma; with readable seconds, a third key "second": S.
{"hour": 12, "minute": 7}
